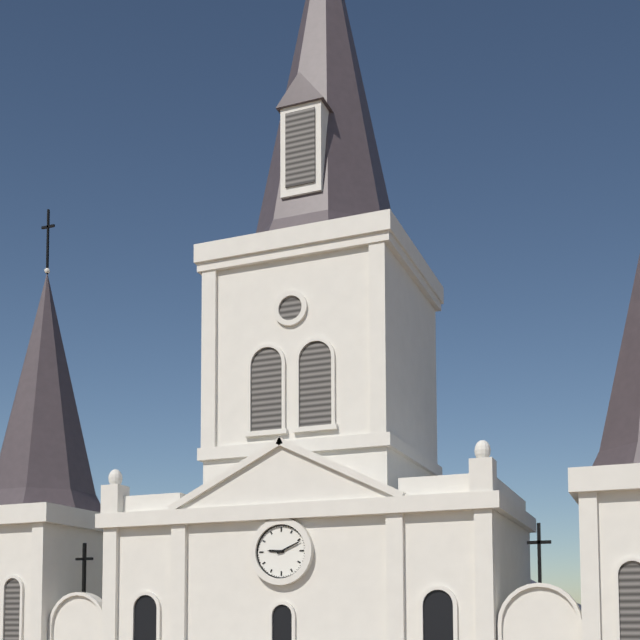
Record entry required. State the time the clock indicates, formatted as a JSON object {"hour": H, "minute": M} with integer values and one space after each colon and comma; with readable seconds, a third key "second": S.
{"hour": 9, "minute": 11}
